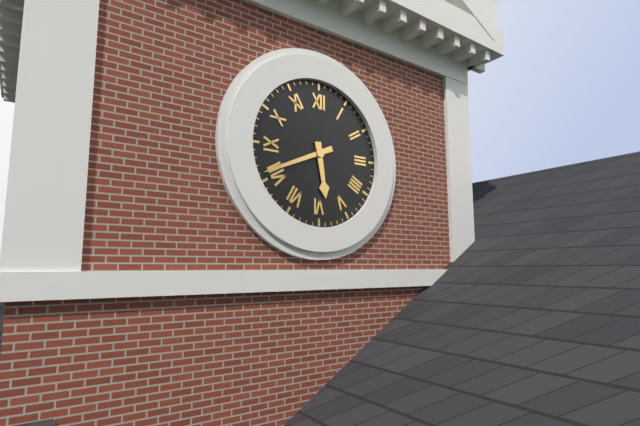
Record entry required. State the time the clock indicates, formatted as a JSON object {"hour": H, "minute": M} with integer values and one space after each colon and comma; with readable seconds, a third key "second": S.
{"hour": 5, "minute": 41}
